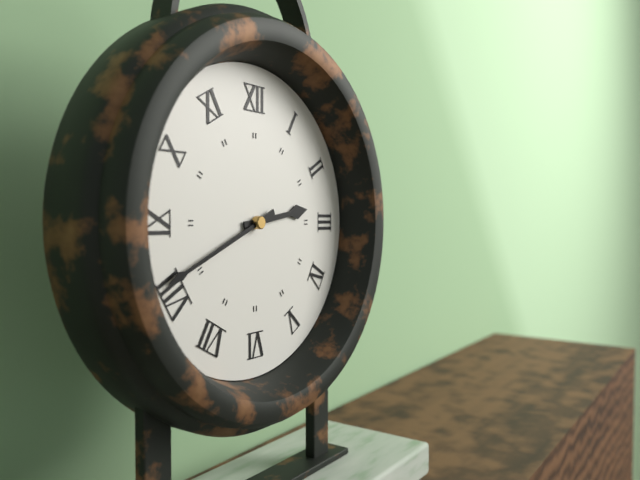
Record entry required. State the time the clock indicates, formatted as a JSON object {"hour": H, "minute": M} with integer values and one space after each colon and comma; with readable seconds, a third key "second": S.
{"hour": 2, "minute": 41}
